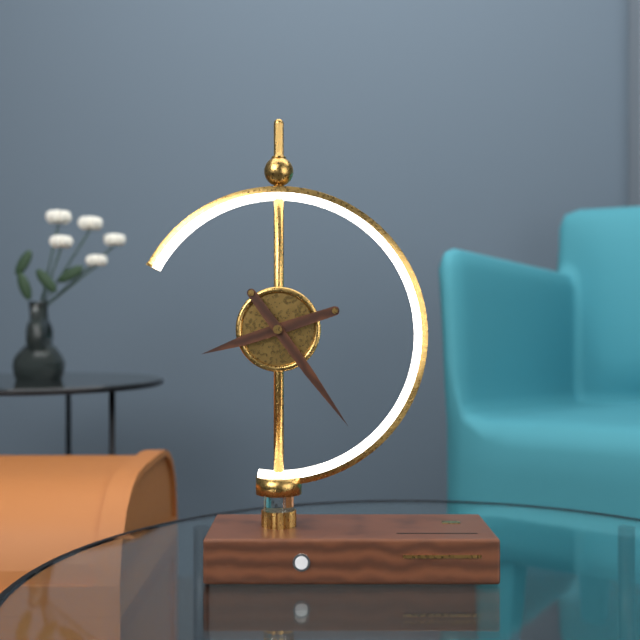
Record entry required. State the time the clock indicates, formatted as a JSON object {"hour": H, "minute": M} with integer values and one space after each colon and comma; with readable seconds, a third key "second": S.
{"hour": 8, "minute": 24}
